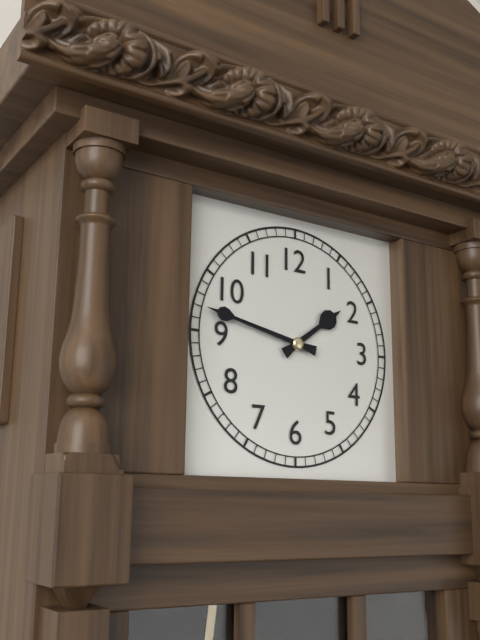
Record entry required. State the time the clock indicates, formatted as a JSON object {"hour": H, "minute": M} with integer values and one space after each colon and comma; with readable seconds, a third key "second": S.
{"hour": 1, "minute": 47}
